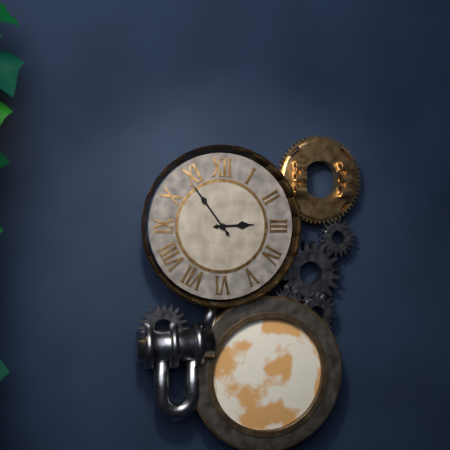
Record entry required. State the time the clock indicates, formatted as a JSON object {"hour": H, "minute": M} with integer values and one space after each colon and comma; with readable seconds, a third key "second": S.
{"hour": 2, "minute": 54}
